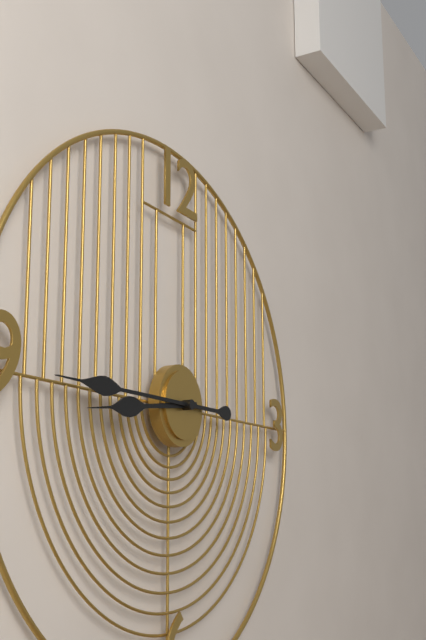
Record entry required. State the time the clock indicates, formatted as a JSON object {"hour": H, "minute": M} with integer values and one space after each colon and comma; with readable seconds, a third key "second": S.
{"hour": 8, "minute": 45}
